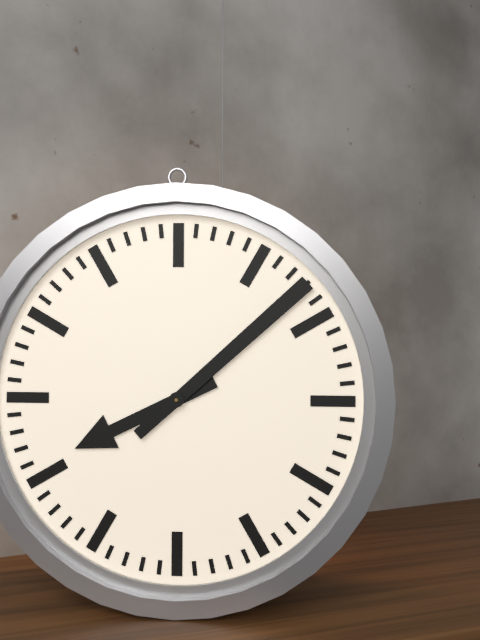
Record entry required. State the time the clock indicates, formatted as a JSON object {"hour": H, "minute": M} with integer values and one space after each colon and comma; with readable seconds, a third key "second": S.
{"hour": 8, "minute": 8}
